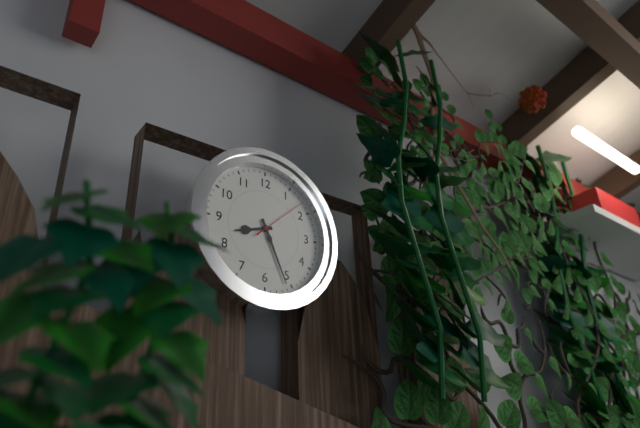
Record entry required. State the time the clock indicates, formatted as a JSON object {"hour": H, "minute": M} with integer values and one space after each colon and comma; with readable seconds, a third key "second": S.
{"hour": 8, "minute": 26, "second": 8}
